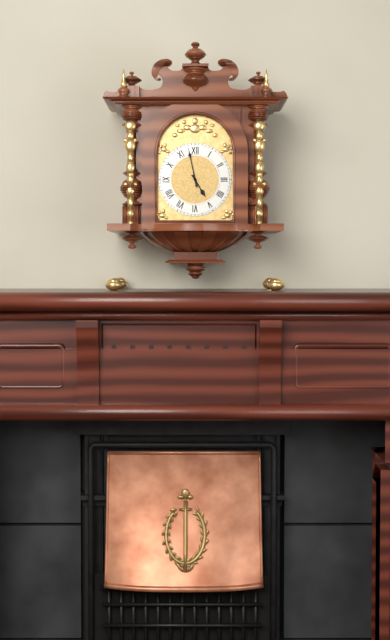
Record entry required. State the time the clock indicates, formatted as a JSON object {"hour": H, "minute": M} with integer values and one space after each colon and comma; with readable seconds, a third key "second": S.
{"hour": 4, "minute": 58}
